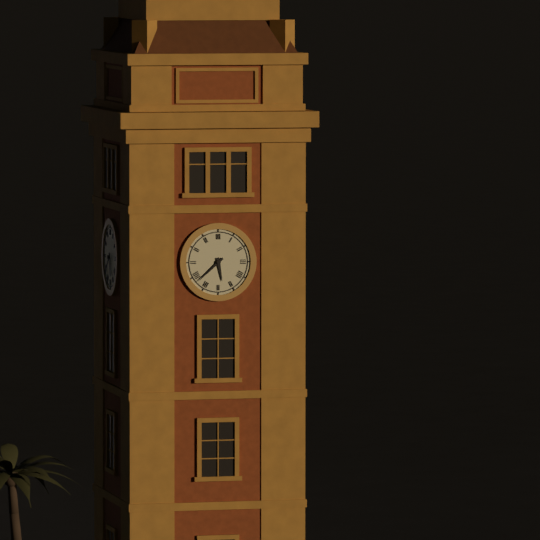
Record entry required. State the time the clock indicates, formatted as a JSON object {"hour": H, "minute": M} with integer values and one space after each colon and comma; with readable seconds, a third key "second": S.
{"hour": 5, "minute": 38}
